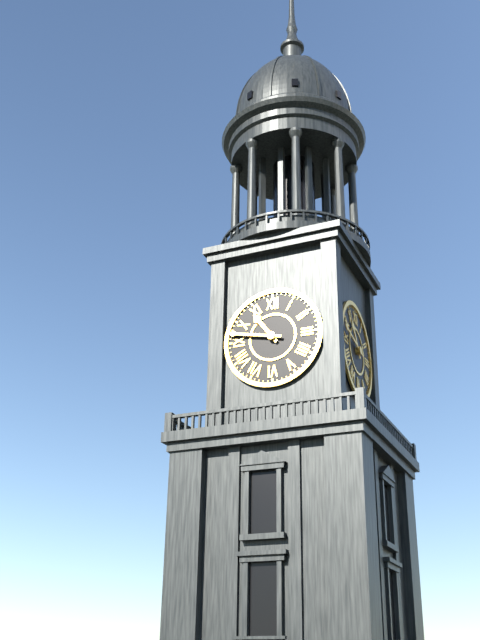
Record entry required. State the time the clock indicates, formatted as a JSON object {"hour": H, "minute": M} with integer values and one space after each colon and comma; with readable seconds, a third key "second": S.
{"hour": 10, "minute": 47}
